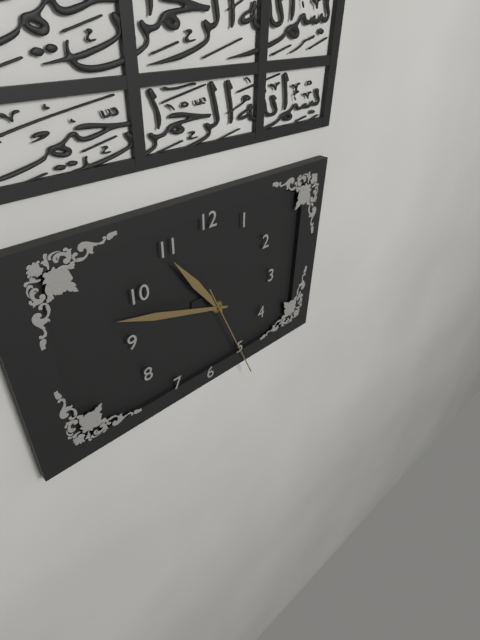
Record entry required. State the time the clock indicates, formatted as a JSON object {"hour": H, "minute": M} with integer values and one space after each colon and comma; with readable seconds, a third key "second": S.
{"hour": 10, "minute": 48, "second": 26}
